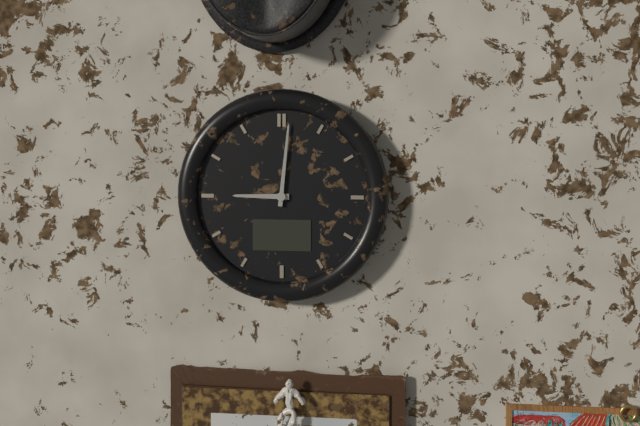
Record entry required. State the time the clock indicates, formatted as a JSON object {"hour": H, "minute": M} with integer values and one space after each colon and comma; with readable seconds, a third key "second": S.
{"hour": 9, "minute": 1}
